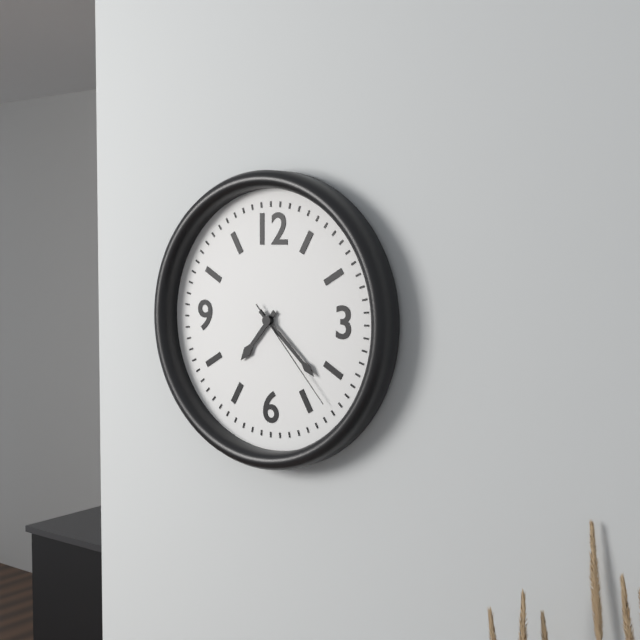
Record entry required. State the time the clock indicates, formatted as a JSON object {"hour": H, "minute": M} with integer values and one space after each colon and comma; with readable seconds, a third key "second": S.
{"hour": 7, "minute": 22, "second": 23}
